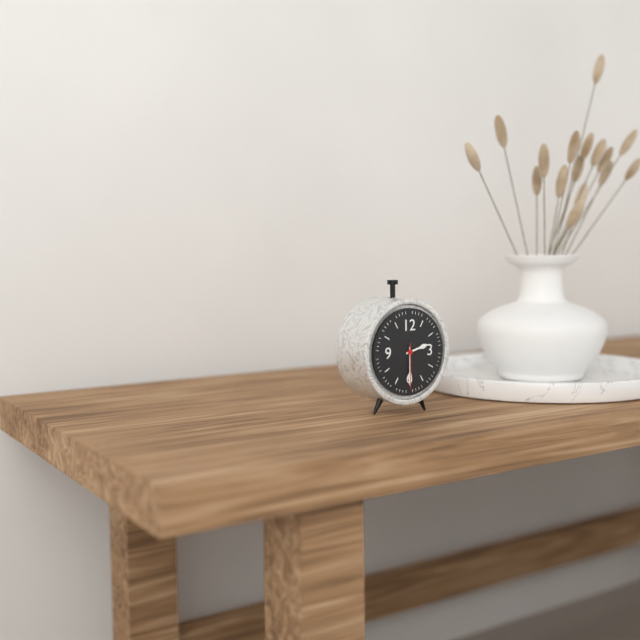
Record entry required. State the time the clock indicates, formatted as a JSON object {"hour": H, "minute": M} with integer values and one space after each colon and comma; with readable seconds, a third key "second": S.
{"hour": 2, "minute": 30}
